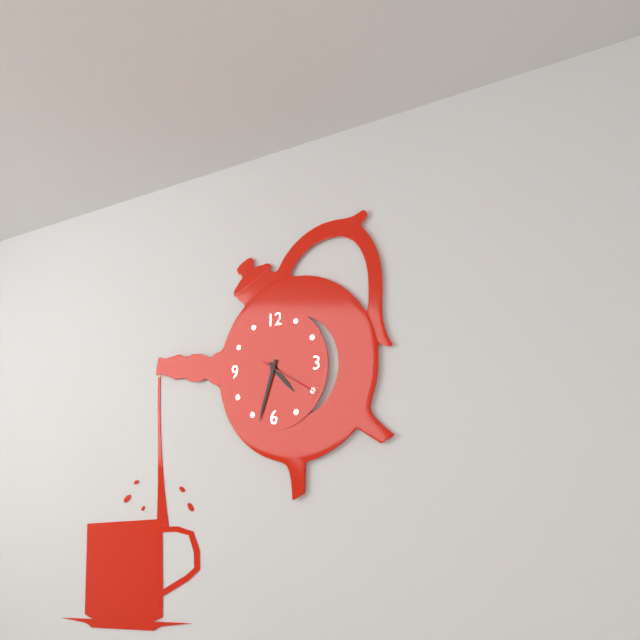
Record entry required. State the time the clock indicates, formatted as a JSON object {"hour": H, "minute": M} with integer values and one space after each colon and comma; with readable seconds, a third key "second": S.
{"hour": 4, "minute": 33, "second": 20}
